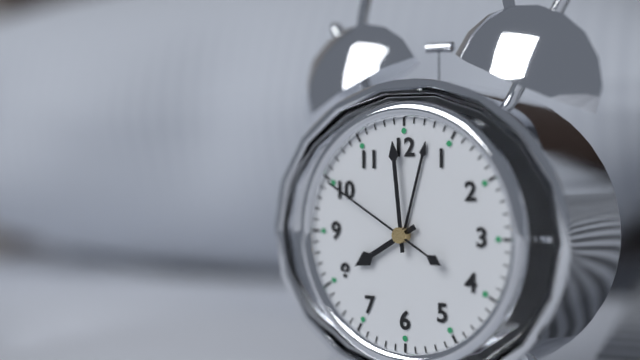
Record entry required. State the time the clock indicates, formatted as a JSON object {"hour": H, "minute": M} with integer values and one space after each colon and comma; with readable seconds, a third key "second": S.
{"hour": 7, "minute": 59, "second": 50}
